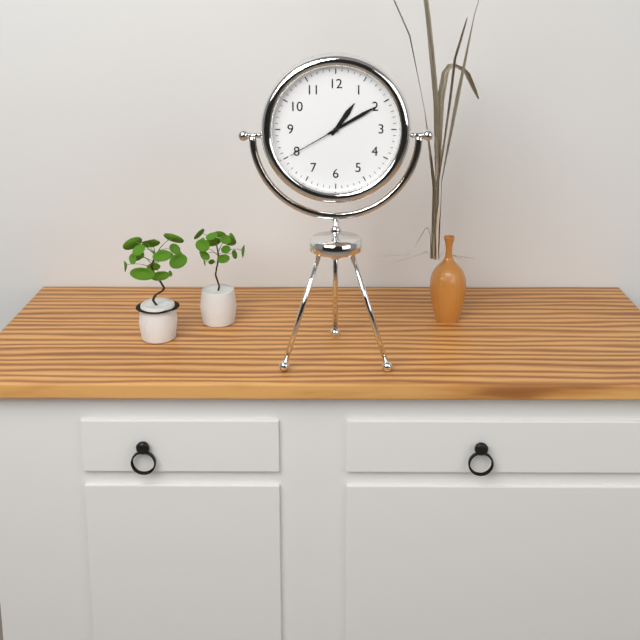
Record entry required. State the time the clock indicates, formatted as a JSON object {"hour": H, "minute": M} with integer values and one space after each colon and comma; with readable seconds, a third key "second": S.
{"hour": 1, "minute": 10, "second": 40}
